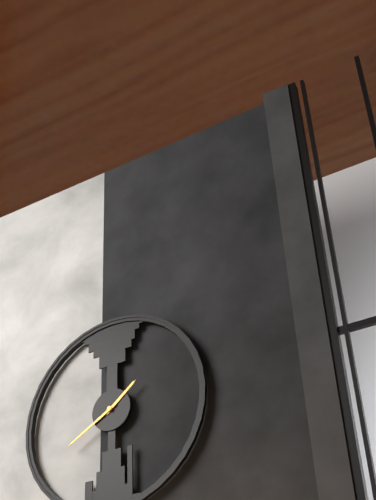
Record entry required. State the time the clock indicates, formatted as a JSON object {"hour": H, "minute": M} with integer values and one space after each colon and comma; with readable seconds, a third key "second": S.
{"hour": 1, "minute": 40}
